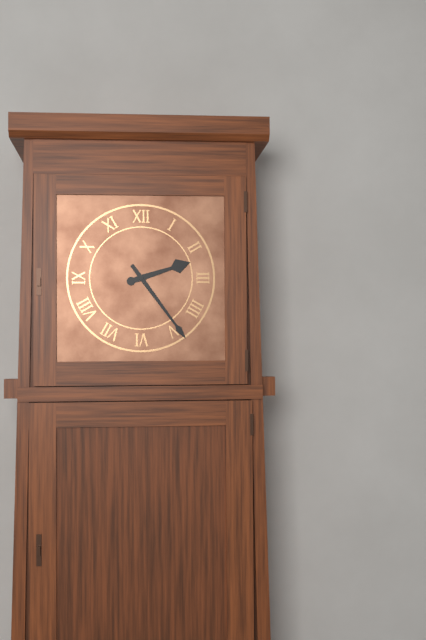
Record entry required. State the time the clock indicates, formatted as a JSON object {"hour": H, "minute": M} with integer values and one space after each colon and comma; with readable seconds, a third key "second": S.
{"hour": 2, "minute": 24}
